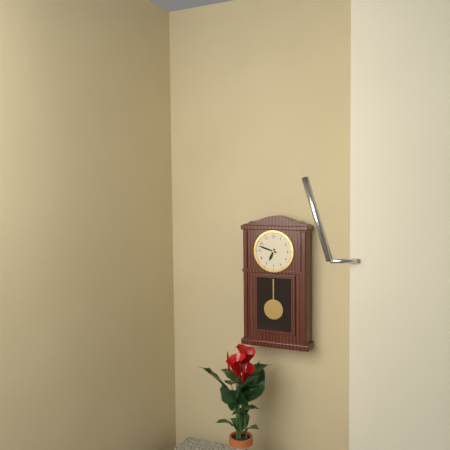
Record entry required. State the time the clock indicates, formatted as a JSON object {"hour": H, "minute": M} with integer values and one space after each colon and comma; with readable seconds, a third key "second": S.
{"hour": 6, "minute": 48}
